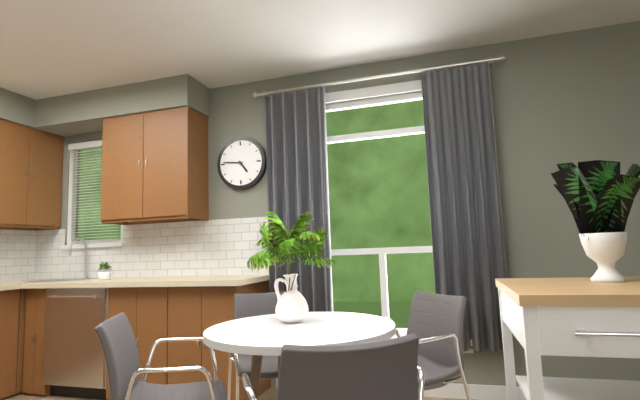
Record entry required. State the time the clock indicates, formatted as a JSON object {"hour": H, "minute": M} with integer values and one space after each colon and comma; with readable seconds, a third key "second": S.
{"hour": 4, "minute": 46}
